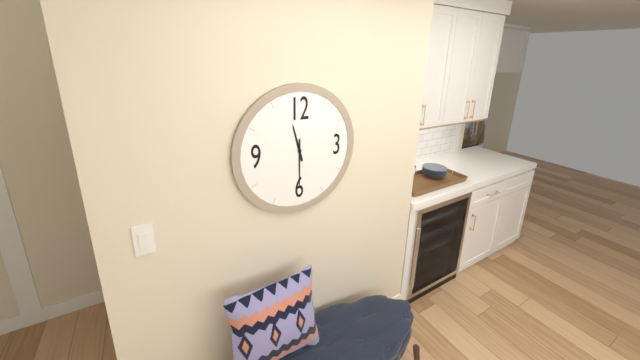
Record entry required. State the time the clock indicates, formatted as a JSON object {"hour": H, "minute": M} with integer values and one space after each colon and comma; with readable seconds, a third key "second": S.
{"hour": 11, "minute": 30}
